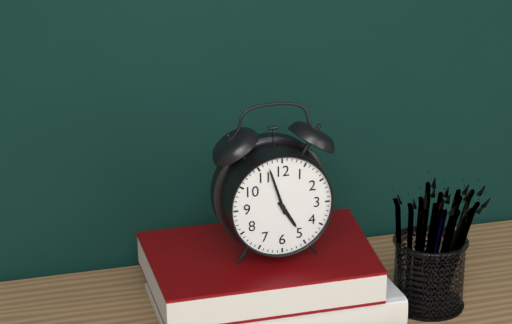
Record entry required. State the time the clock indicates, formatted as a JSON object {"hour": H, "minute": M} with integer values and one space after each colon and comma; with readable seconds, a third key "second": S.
{"hour": 4, "minute": 57}
